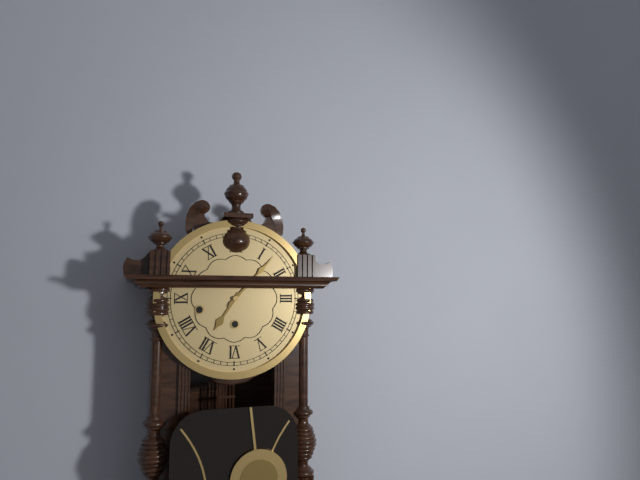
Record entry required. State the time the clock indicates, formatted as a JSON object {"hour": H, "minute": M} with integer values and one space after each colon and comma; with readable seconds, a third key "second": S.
{"hour": 7, "minute": 7}
